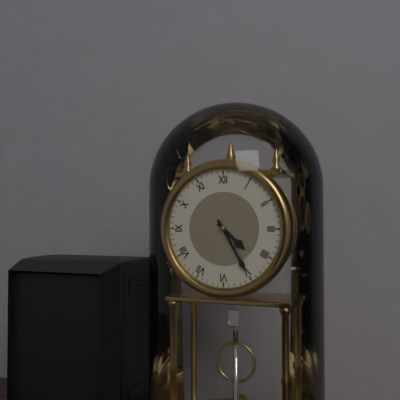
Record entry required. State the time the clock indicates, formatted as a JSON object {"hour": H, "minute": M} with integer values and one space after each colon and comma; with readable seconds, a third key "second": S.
{"hour": 4, "minute": 25}
